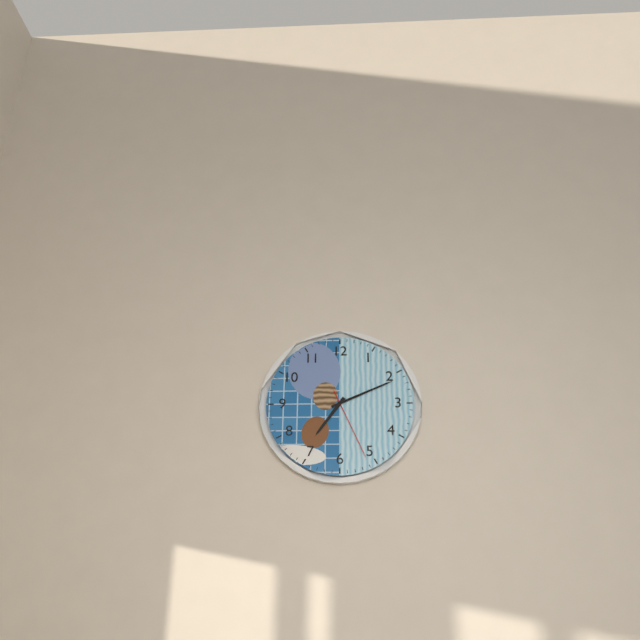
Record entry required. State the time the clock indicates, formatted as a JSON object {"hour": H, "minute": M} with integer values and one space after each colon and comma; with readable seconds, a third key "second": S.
{"hour": 7, "minute": 11, "second": 26}
